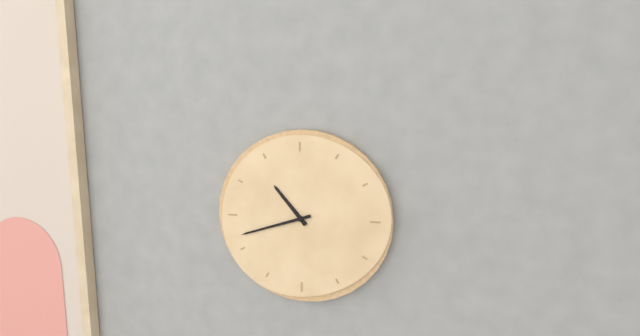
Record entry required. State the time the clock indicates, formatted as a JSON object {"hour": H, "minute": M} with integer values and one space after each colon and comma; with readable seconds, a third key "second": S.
{"hour": 10, "minute": 42}
